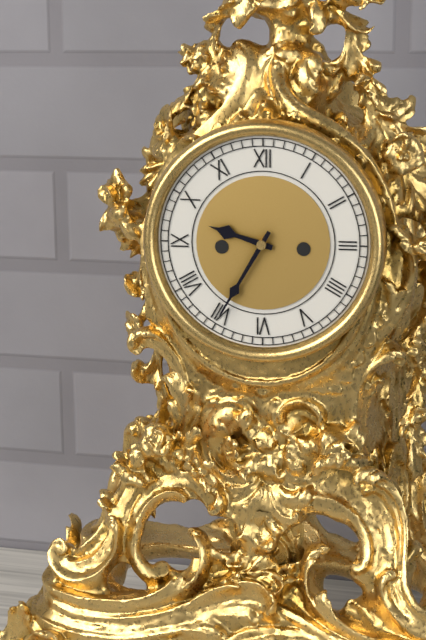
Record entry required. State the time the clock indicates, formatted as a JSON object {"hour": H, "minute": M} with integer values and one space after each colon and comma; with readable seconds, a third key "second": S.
{"hour": 9, "minute": 35}
